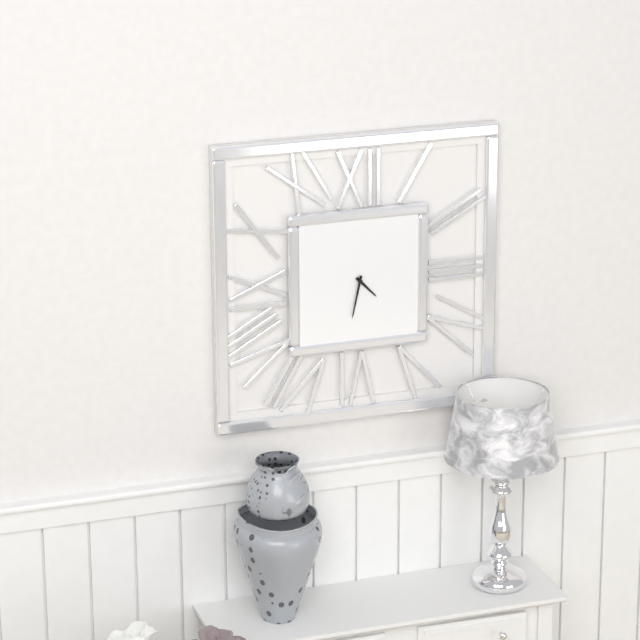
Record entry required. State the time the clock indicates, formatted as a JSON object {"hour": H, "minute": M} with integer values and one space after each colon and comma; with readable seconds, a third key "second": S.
{"hour": 4, "minute": 32}
